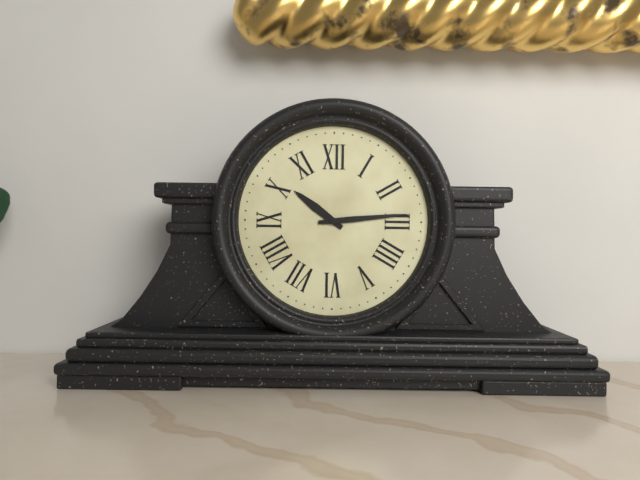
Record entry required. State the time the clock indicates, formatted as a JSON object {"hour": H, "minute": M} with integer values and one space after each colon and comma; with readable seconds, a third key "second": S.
{"hour": 10, "minute": 14}
